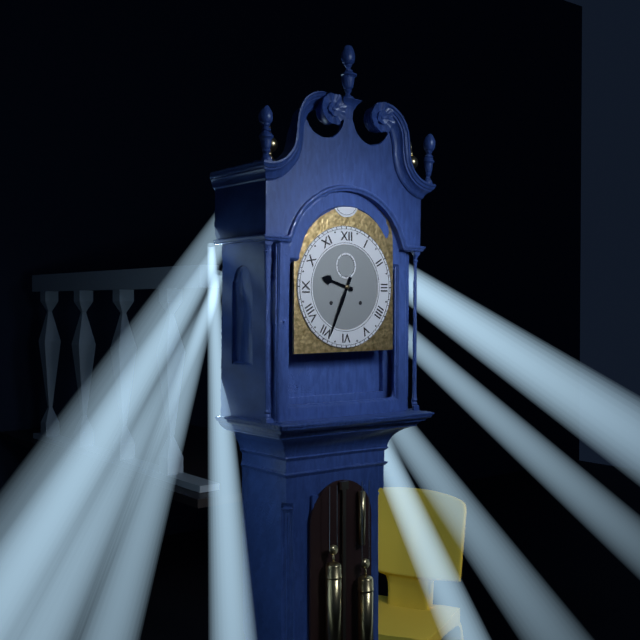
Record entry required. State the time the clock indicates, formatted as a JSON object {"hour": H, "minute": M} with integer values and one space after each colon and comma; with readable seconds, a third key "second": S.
{"hour": 9, "minute": 34}
